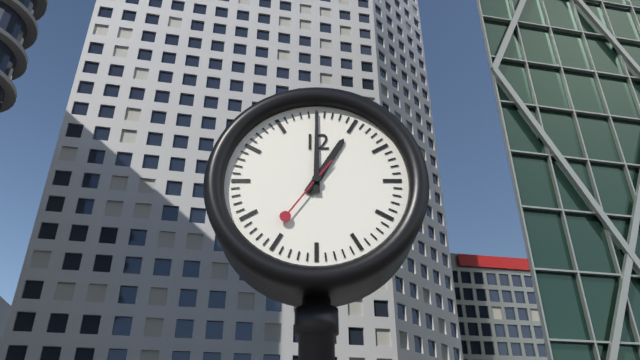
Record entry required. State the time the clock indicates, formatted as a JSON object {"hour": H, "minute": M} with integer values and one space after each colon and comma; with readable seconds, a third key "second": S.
{"hour": 1, "minute": 0, "second": 36}
